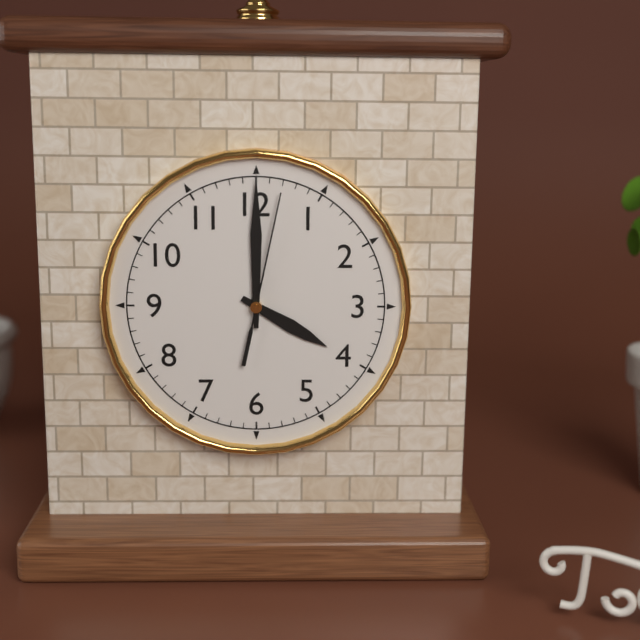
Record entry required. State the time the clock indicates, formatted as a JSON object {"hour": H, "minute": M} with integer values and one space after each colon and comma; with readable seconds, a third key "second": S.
{"hour": 4, "minute": 0, "second": 2}
